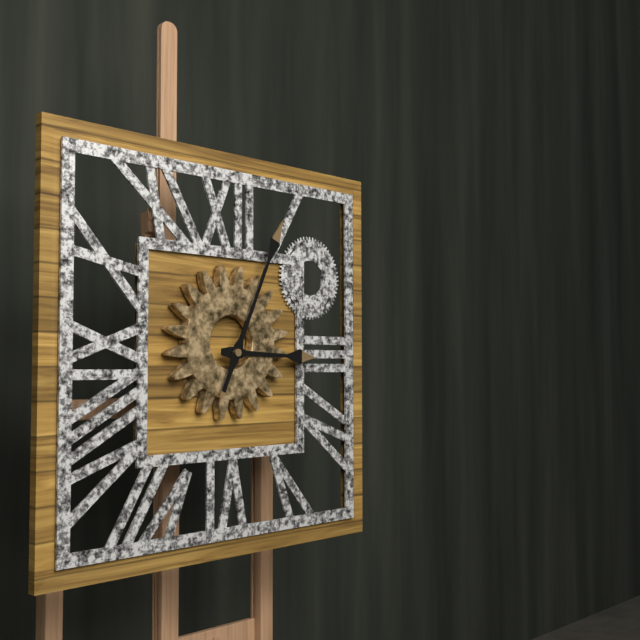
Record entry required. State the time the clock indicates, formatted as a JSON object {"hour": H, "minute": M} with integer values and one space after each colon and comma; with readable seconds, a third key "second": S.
{"hour": 3, "minute": 4}
